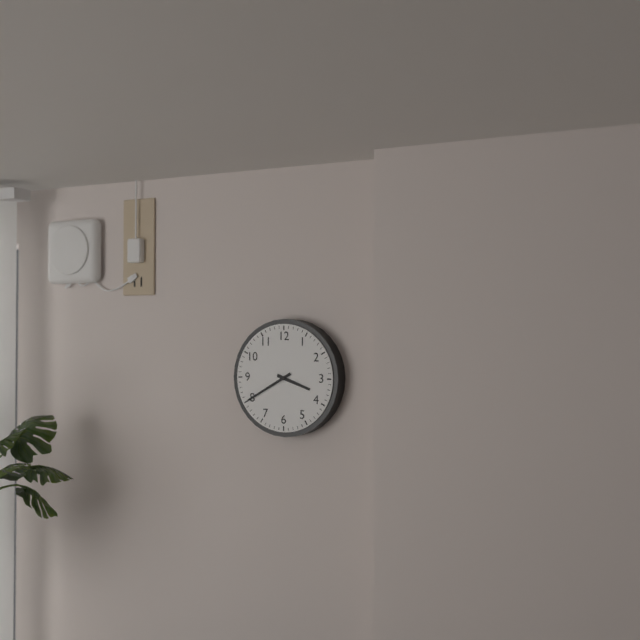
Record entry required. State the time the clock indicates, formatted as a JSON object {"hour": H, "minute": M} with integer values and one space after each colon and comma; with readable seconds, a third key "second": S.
{"hour": 3, "minute": 40}
